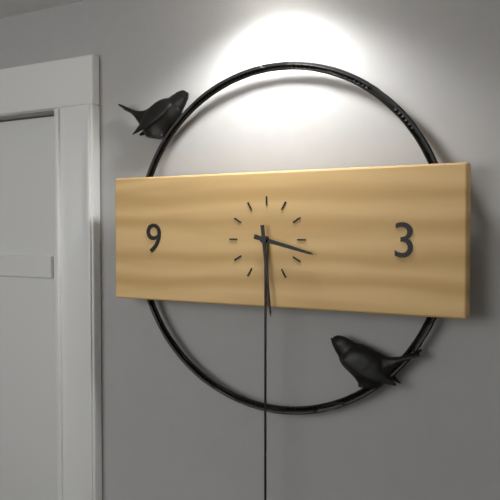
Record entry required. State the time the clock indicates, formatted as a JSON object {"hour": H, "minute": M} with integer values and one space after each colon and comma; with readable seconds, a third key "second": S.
{"hour": 3, "minute": 29}
